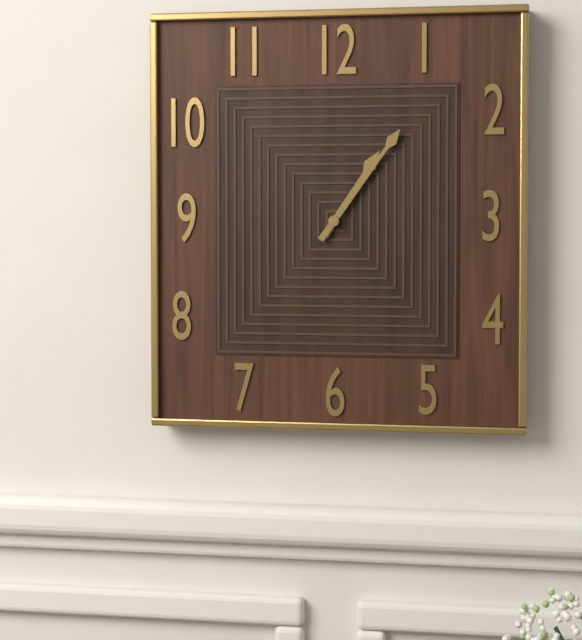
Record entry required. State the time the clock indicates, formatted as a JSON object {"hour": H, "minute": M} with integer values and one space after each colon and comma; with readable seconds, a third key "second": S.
{"hour": 1, "minute": 6}
